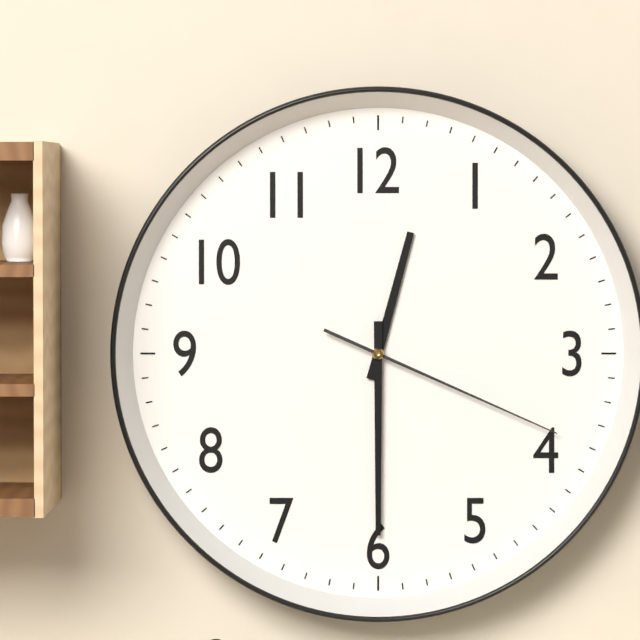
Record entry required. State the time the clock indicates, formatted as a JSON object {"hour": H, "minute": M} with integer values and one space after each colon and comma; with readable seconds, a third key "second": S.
{"hour": 12, "minute": 30, "second": 19}
